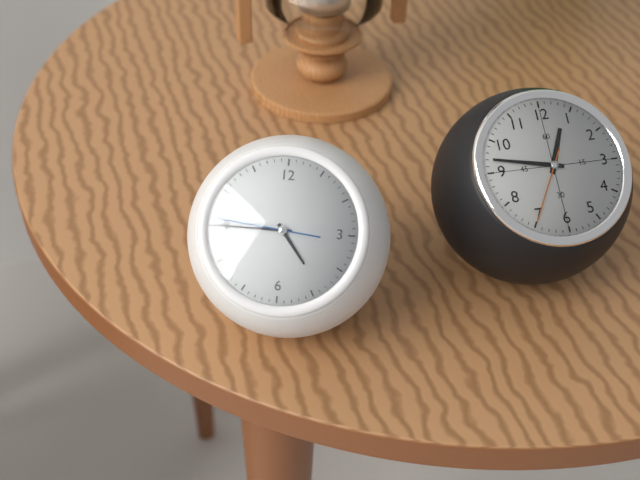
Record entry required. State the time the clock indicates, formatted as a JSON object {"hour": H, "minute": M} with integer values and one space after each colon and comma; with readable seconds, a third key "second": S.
{"hour": 4, "minute": 45, "second": 46}
